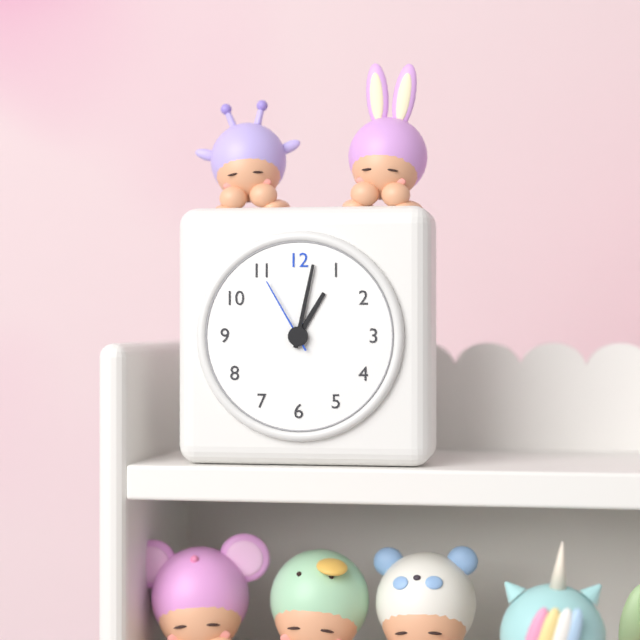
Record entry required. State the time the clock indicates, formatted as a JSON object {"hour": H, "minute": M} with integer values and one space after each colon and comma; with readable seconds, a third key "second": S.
{"hour": 1, "minute": 2, "second": 55}
